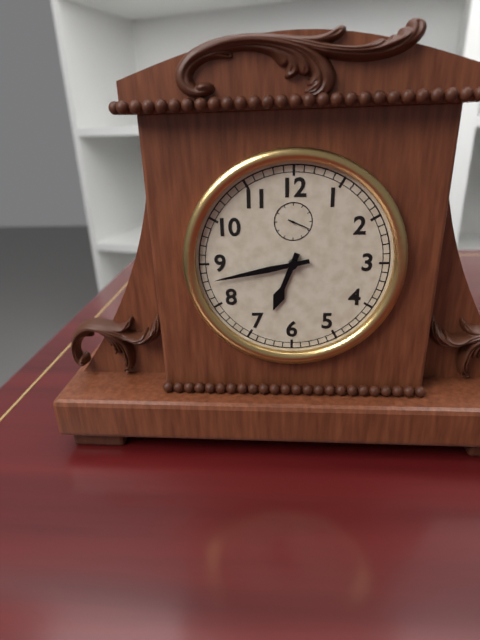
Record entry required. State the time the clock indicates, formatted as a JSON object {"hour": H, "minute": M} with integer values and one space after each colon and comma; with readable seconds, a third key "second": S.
{"hour": 6, "minute": 43}
